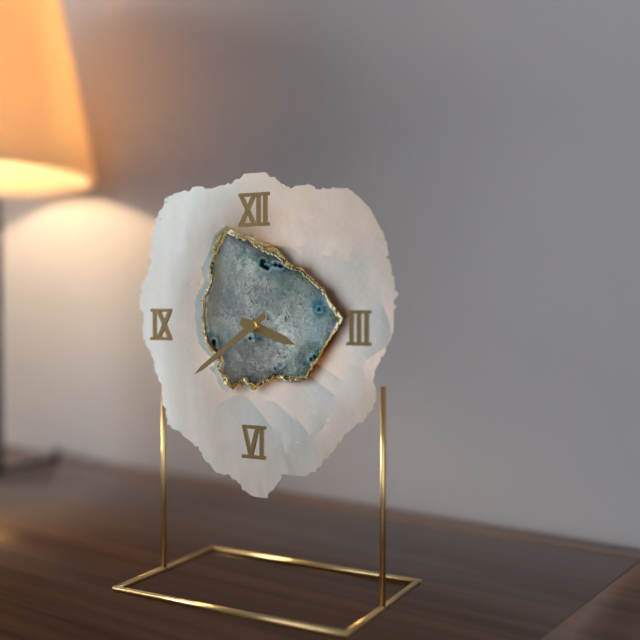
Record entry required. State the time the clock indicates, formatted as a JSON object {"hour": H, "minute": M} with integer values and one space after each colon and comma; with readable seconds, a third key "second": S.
{"hour": 3, "minute": 39}
